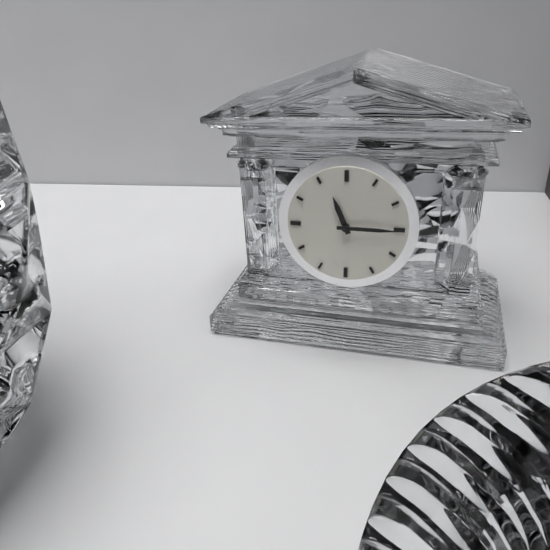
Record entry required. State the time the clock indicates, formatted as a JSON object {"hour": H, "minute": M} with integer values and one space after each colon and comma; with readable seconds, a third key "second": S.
{"hour": 11, "minute": 15}
